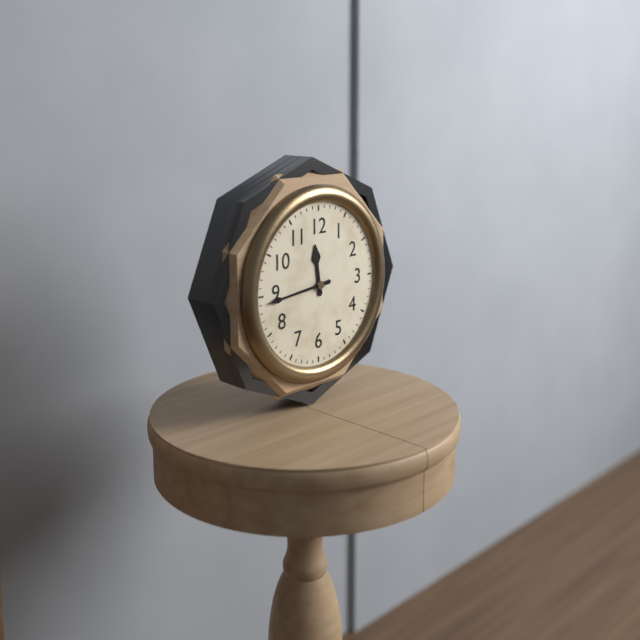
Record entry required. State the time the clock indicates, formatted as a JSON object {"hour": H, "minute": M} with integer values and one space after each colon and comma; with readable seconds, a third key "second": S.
{"hour": 11, "minute": 44}
